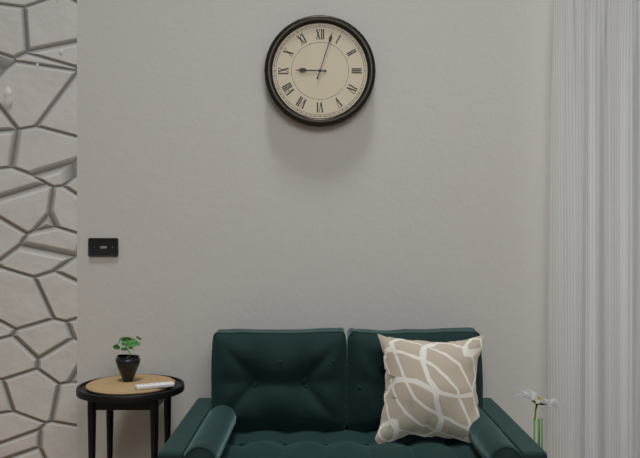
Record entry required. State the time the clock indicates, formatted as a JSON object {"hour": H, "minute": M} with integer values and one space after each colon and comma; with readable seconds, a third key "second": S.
{"hour": 9, "minute": 3}
